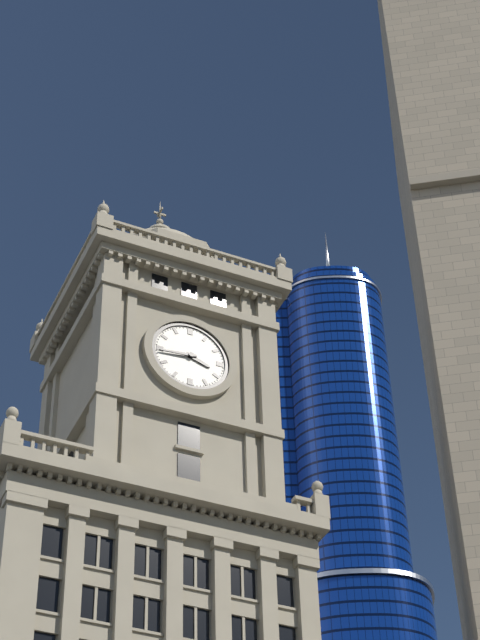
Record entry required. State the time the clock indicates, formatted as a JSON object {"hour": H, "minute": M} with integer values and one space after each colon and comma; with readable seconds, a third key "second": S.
{"hour": 3, "minute": 44}
